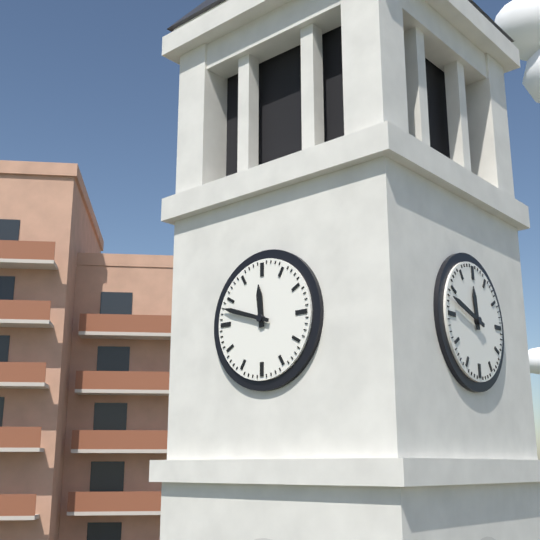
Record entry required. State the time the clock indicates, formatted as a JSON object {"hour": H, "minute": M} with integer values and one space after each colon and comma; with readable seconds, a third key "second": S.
{"hour": 11, "minute": 48}
